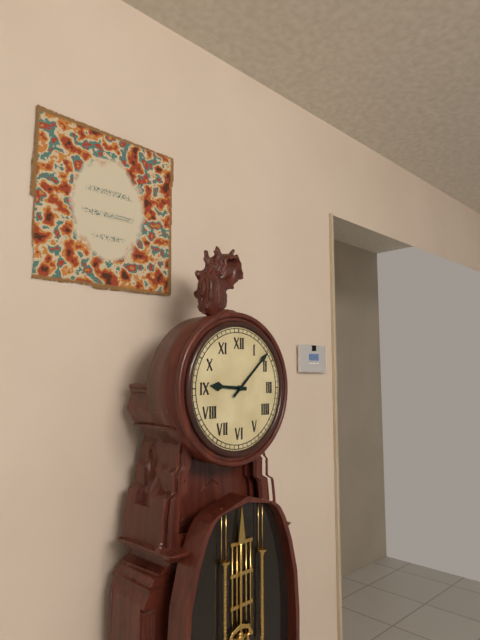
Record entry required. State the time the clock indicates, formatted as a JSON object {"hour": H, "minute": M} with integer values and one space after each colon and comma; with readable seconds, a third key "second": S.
{"hour": 9, "minute": 8}
